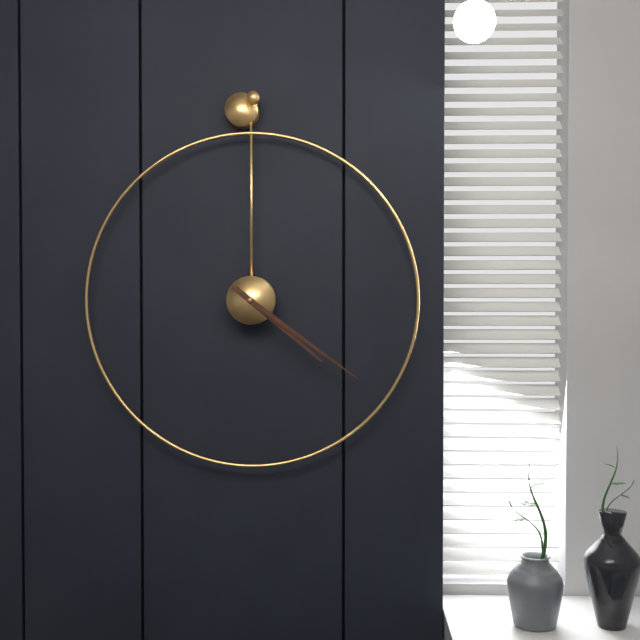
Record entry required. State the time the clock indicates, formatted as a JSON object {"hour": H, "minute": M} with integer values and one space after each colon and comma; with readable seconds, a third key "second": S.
{"hour": 4, "minute": 21}
